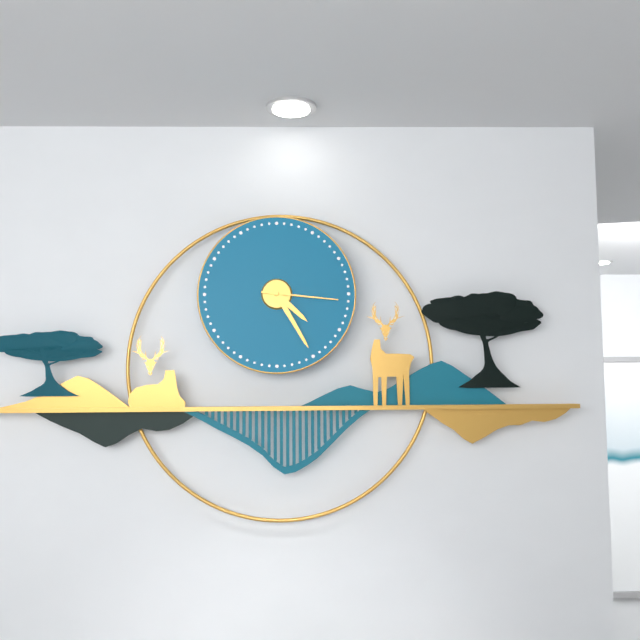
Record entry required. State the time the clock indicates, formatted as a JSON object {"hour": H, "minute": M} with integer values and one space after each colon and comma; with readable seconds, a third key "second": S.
{"hour": 4, "minute": 25, "second": 16}
